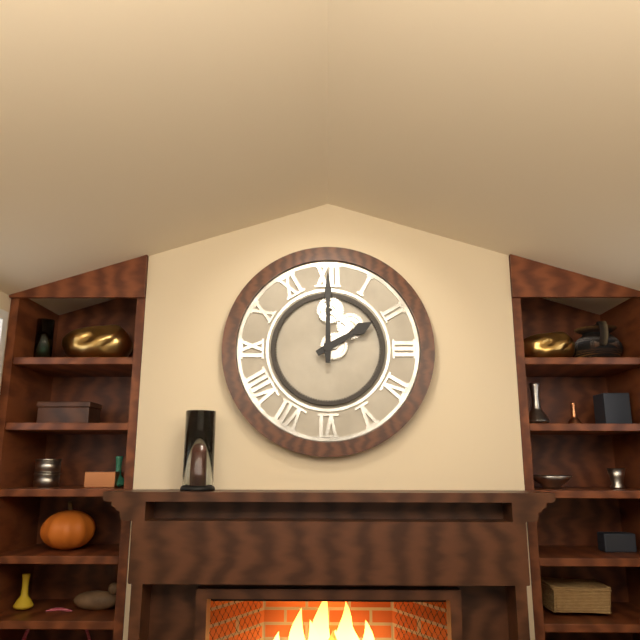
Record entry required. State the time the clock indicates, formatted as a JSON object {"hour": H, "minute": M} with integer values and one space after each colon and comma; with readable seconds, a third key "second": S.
{"hour": 2, "minute": 0}
